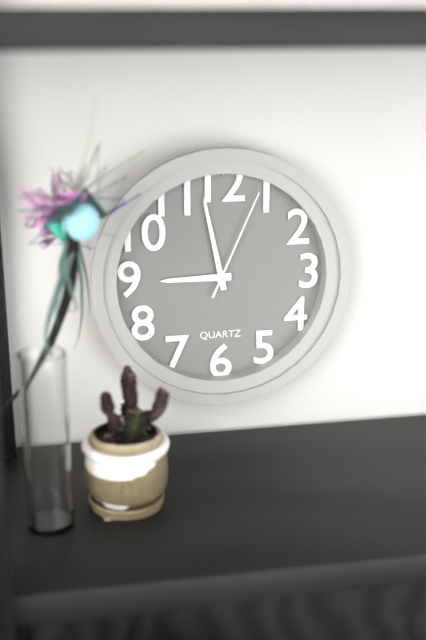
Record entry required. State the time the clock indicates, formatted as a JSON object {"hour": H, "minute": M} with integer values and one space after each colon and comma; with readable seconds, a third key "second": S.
{"hour": 8, "minute": 58, "second": 4}
